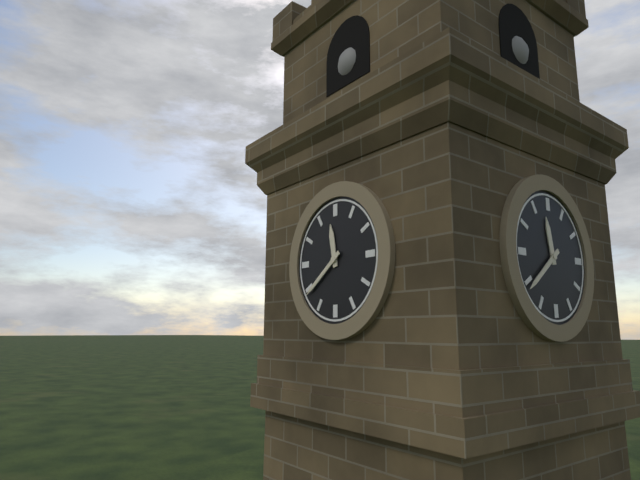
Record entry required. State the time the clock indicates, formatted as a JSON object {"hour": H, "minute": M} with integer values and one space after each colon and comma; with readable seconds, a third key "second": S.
{"hour": 11, "minute": 39}
